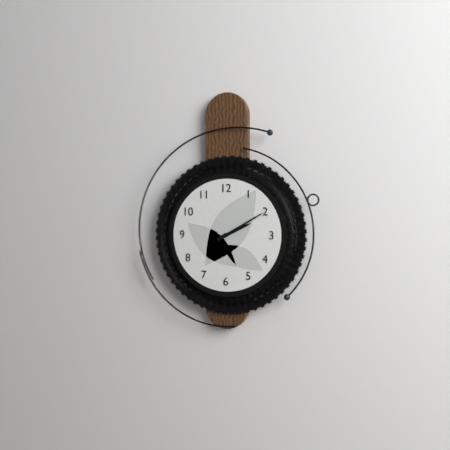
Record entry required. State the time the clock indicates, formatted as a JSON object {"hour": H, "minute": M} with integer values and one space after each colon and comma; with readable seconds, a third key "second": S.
{"hour": 2, "minute": 10}
